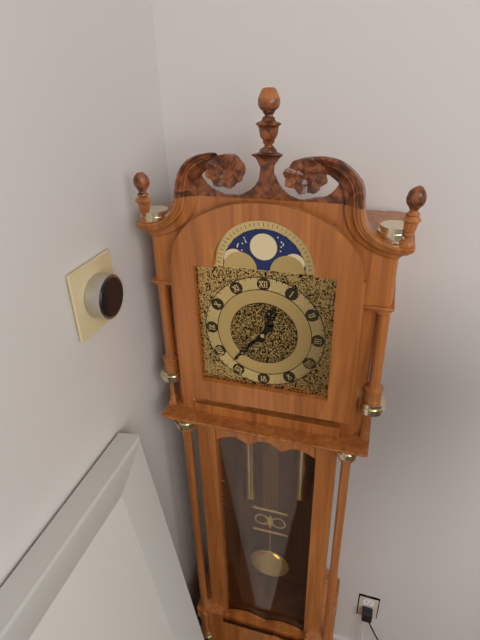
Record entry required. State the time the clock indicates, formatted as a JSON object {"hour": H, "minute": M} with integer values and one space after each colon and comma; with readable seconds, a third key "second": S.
{"hour": 12, "minute": 37}
